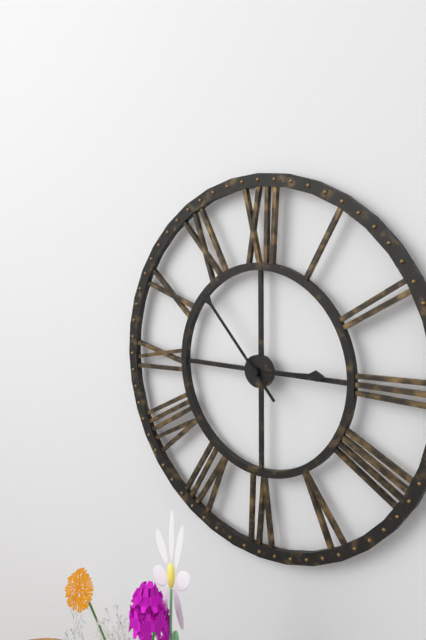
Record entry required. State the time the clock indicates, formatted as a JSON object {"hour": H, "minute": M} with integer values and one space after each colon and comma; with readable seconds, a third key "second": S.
{"hour": 2, "minute": 53}
